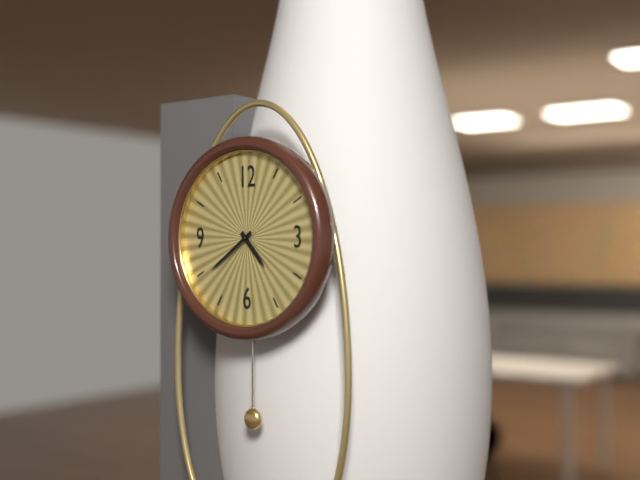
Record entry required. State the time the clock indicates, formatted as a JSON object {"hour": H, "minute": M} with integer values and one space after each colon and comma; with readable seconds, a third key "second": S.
{"hour": 4, "minute": 39}
